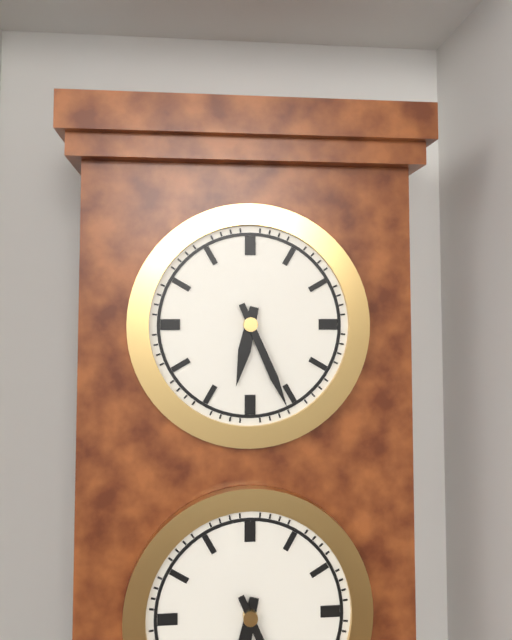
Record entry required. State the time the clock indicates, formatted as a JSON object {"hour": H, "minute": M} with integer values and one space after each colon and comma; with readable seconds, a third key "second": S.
{"hour": 6, "minute": 26}
